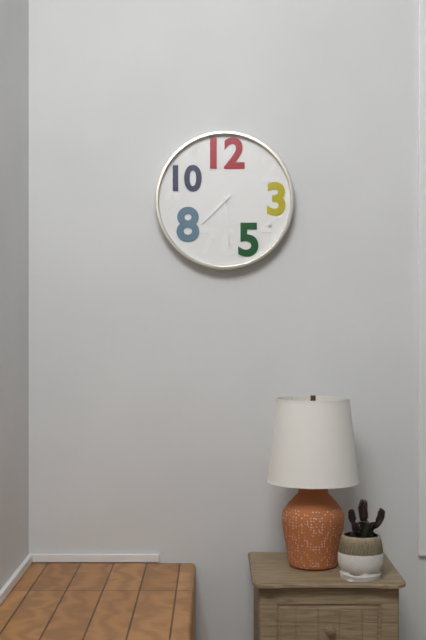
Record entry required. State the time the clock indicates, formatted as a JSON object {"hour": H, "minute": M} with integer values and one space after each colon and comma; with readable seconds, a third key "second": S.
{"hour": 7, "minute": 29}
